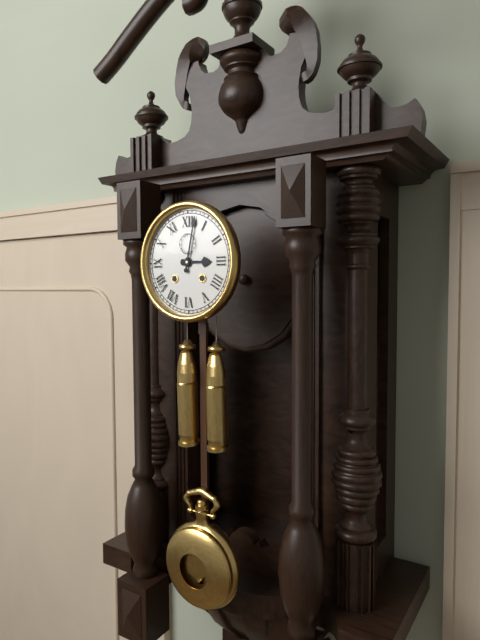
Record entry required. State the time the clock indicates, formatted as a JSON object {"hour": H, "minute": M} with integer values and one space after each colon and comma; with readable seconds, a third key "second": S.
{"hour": 3, "minute": 2}
